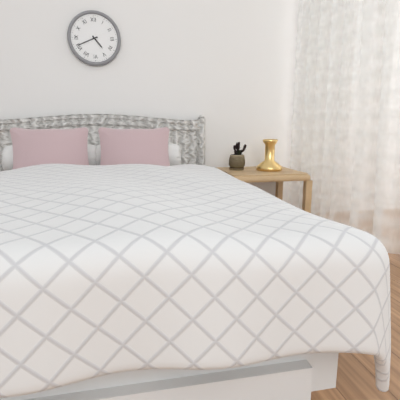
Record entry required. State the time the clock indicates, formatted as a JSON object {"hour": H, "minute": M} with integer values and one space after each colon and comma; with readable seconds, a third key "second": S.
{"hour": 4, "minute": 41}
